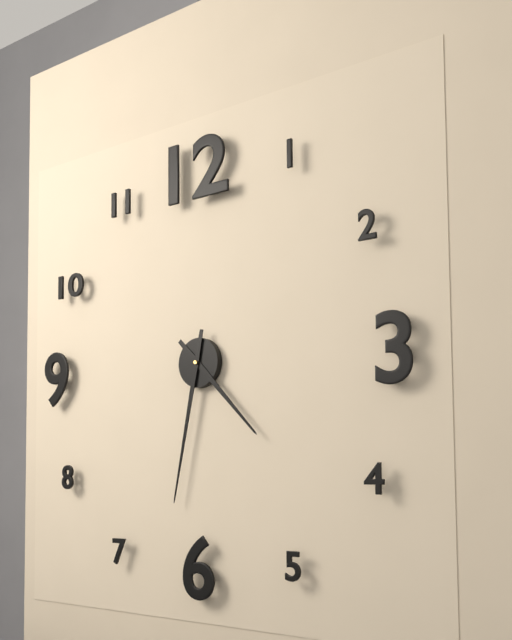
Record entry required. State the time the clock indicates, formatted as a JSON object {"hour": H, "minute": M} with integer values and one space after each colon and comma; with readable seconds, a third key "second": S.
{"hour": 4, "minute": 32}
